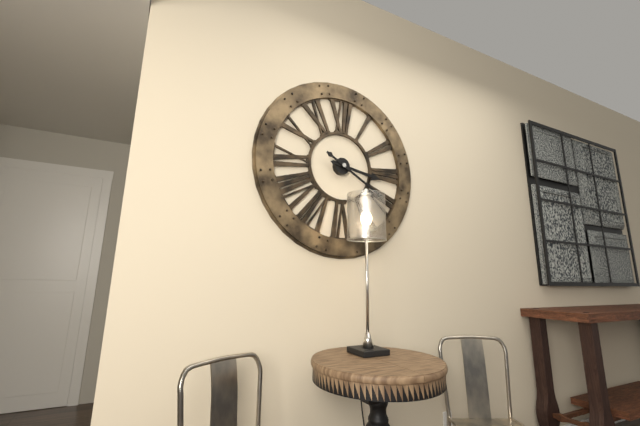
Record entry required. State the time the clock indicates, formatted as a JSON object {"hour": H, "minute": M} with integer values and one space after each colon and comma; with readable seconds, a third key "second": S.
{"hour": 3, "minute": 20}
